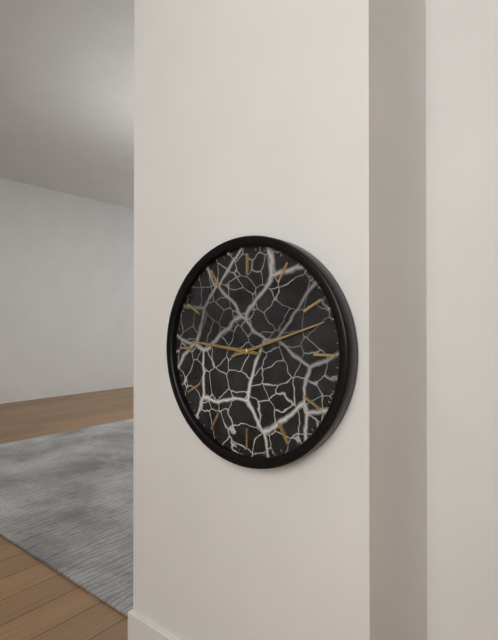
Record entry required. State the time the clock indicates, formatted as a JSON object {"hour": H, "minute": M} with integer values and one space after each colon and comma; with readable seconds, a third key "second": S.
{"hour": 9, "minute": 12}
